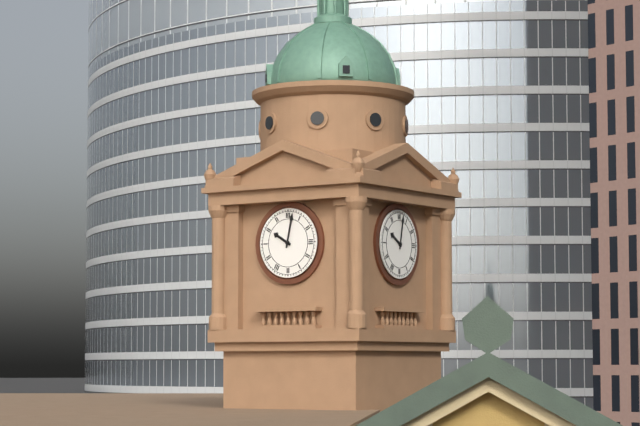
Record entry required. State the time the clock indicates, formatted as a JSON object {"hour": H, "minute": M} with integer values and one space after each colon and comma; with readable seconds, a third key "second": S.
{"hour": 10, "minute": 2}
